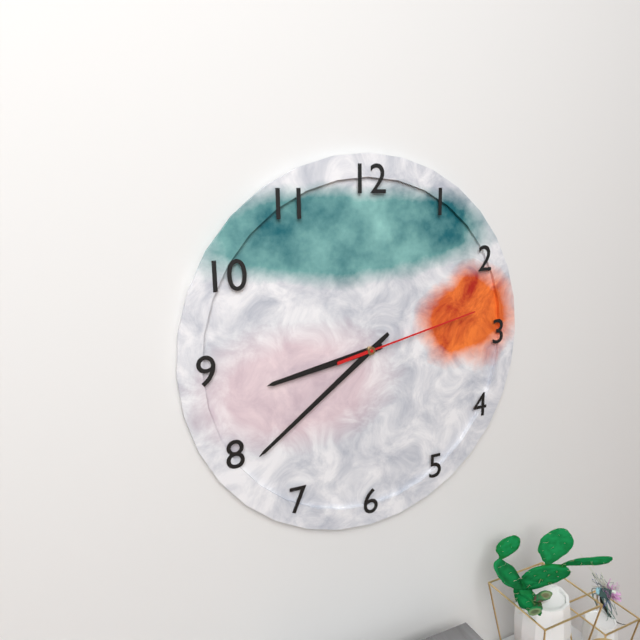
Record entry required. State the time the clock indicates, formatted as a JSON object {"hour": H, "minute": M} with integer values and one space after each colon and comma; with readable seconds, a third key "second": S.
{"hour": 8, "minute": 39, "second": 13}
